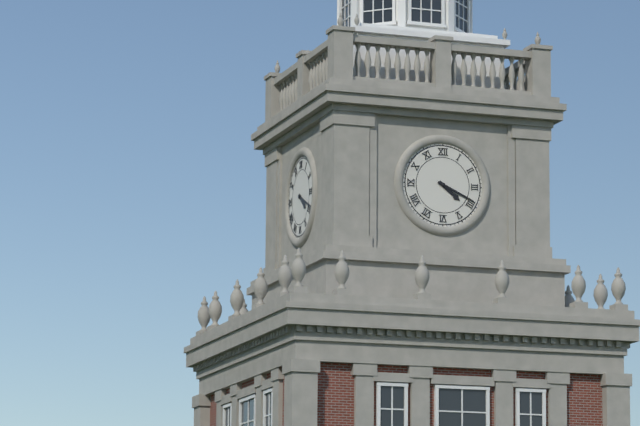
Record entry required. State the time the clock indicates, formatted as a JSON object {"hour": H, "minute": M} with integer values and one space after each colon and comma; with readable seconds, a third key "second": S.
{"hour": 4, "minute": 19}
